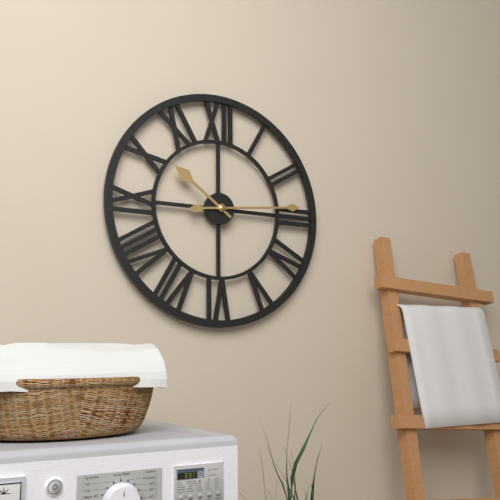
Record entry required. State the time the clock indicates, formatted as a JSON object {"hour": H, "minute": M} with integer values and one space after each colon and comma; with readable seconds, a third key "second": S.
{"hour": 10, "minute": 14}
